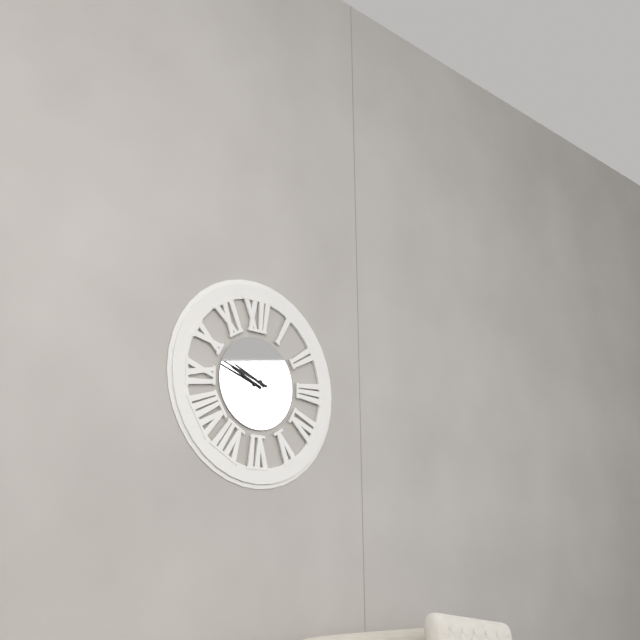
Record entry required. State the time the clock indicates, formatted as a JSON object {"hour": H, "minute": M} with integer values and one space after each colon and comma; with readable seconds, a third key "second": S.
{"hour": 9, "minute": 48}
